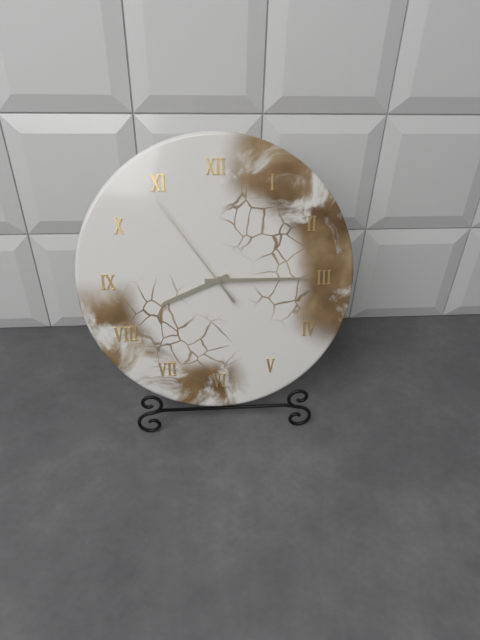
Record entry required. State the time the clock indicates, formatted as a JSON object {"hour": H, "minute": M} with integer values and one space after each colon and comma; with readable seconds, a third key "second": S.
{"hour": 8, "minute": 15, "second": 54}
